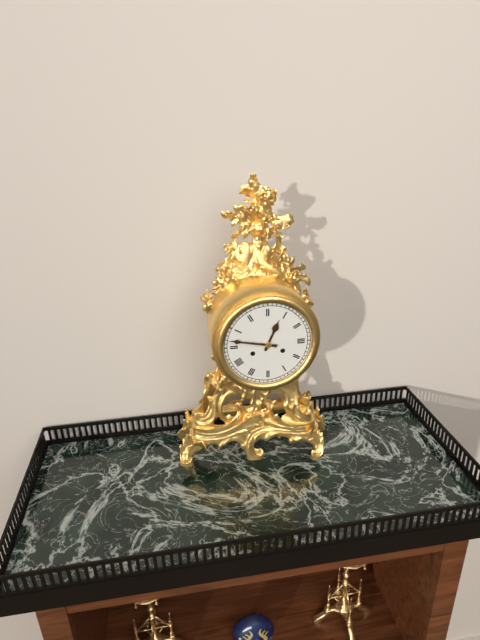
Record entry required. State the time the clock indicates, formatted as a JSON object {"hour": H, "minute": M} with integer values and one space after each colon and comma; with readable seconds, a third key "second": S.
{"hour": 12, "minute": 47}
